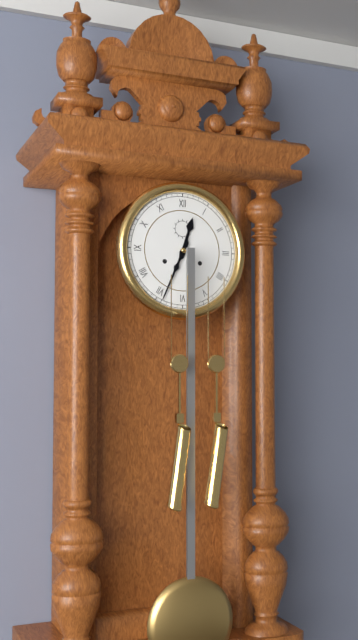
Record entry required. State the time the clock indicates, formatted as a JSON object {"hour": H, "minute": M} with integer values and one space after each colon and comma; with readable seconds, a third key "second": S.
{"hour": 12, "minute": 34}
